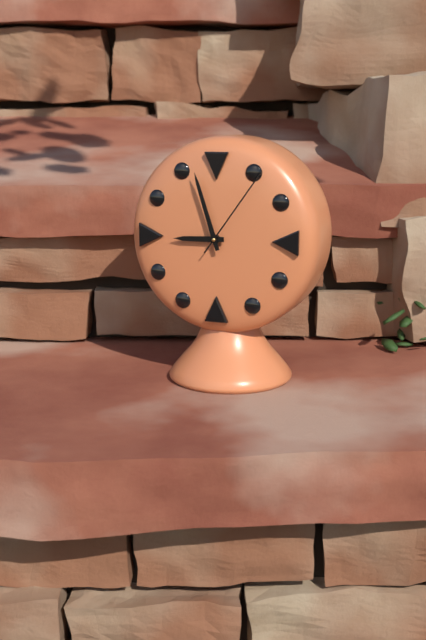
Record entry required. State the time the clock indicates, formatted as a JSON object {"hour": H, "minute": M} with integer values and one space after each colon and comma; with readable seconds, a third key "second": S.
{"hour": 8, "minute": 57, "second": 6}
